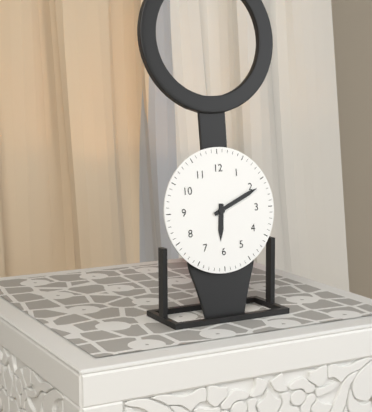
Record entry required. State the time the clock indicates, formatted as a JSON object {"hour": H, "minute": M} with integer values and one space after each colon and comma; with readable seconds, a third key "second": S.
{"hour": 6, "minute": 11}
